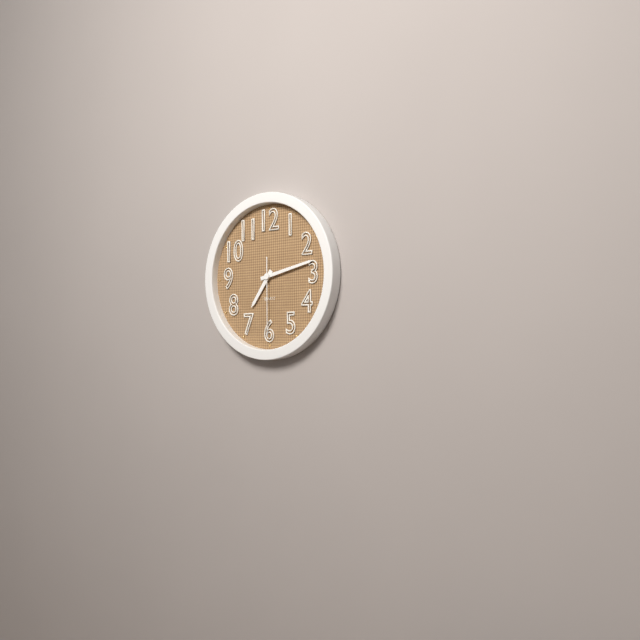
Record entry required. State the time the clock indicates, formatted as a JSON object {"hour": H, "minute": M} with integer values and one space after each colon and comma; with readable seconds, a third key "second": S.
{"hour": 7, "minute": 13, "second": 30}
